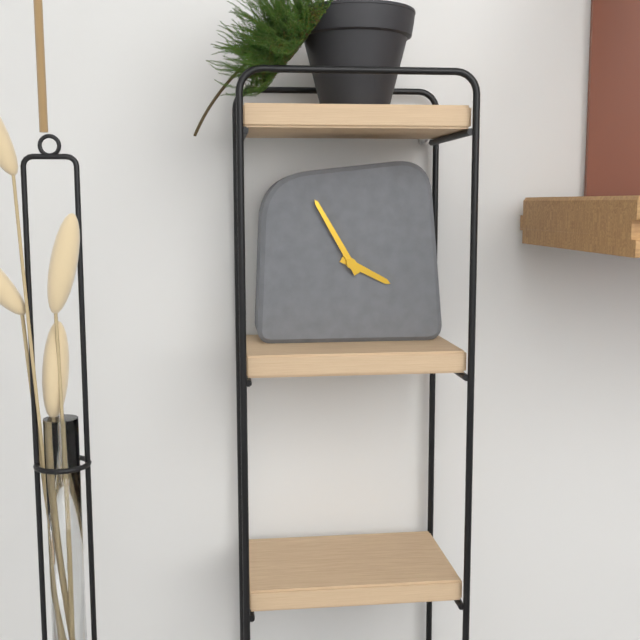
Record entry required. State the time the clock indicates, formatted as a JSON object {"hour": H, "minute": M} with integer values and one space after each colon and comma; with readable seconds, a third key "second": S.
{"hour": 3, "minute": 55}
